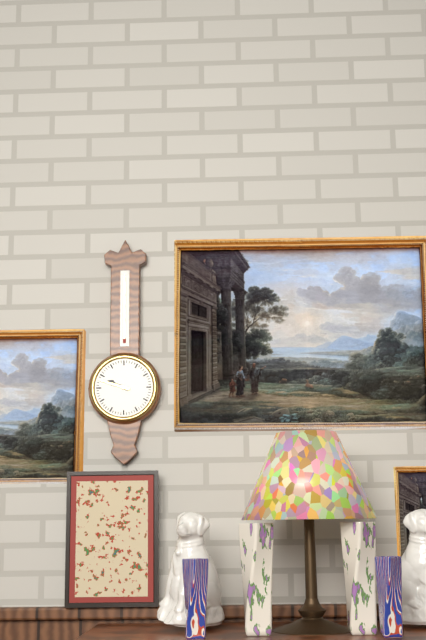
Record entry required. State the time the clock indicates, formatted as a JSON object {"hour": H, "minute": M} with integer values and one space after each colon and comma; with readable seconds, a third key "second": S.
{"hour": 9, "minute": 48}
